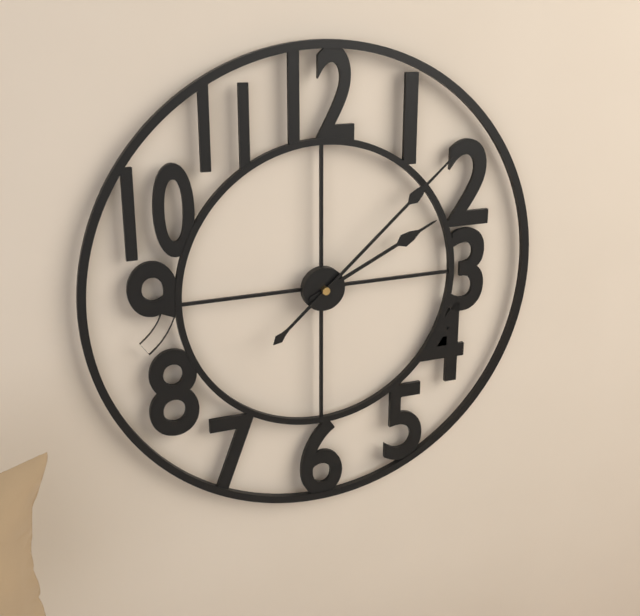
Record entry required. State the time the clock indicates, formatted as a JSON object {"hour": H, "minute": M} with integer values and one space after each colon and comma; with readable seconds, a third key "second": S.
{"hour": 2, "minute": 8}
